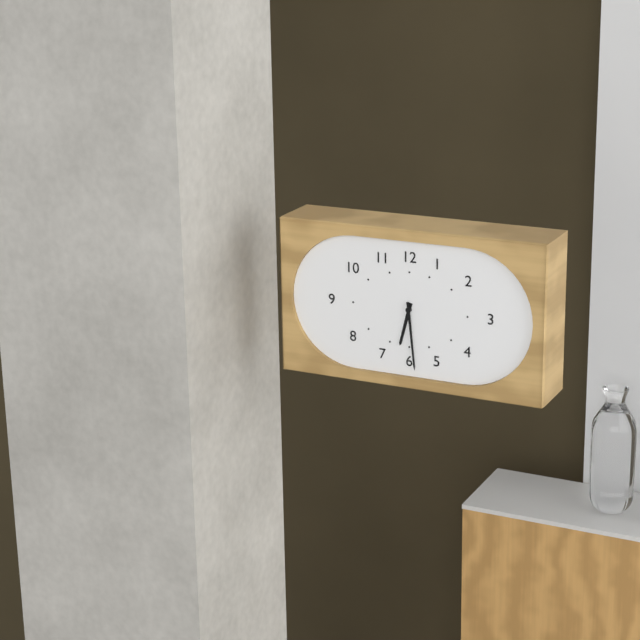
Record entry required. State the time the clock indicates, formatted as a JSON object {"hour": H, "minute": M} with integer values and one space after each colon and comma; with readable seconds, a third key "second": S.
{"hour": 6, "minute": 29}
